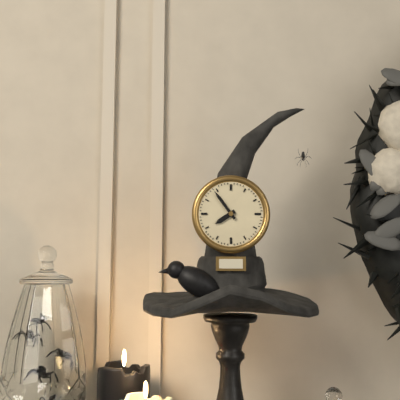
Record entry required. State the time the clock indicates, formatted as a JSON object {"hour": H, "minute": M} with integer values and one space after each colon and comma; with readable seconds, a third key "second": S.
{"hour": 7, "minute": 54}
